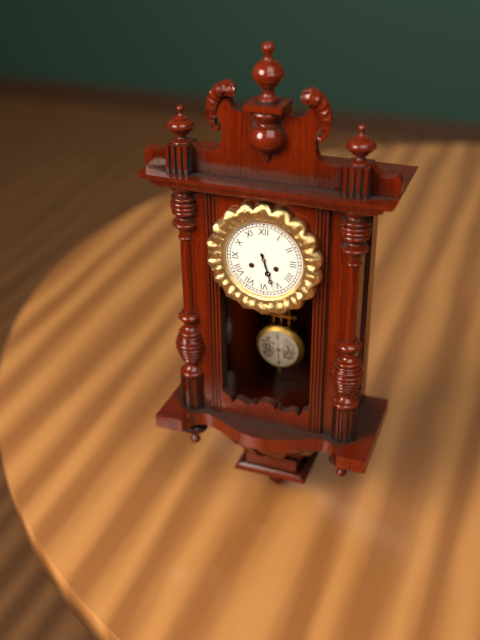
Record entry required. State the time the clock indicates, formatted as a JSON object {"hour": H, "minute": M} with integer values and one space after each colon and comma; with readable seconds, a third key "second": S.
{"hour": 5, "minute": 27}
